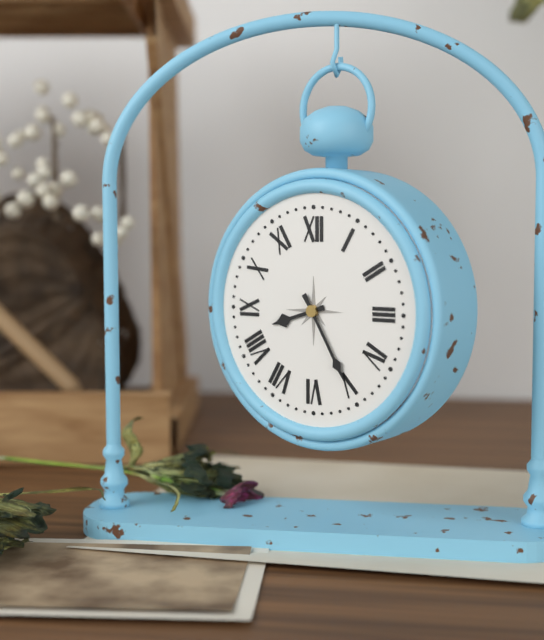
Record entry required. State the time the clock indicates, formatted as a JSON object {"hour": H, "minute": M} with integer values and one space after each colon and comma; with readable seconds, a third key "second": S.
{"hour": 8, "minute": 25}
